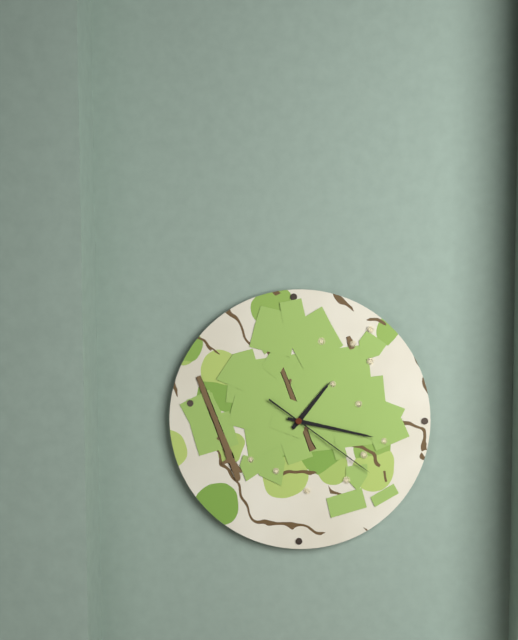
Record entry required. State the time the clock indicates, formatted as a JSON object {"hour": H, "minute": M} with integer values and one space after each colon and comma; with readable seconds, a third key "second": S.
{"hour": 1, "minute": 17, "second": 21}
